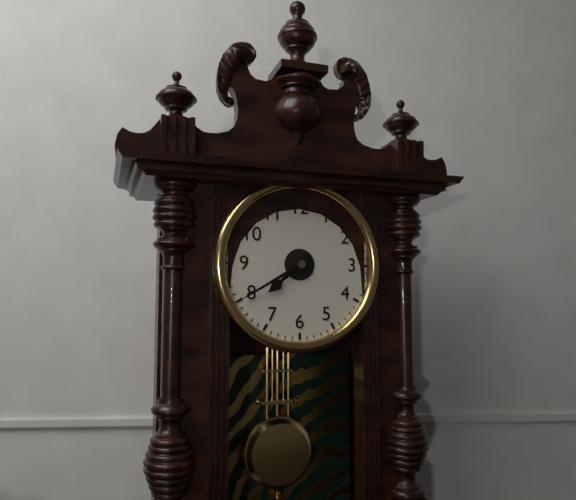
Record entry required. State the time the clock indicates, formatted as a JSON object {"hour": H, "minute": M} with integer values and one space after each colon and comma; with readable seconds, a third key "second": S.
{"hour": 7, "minute": 40}
